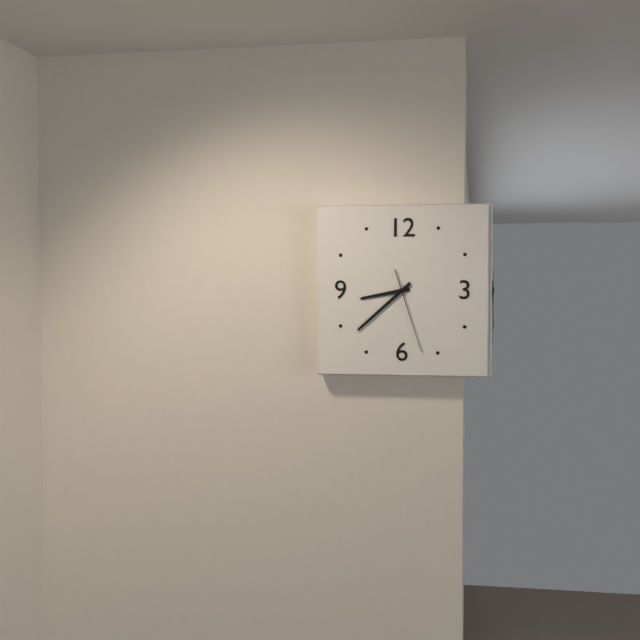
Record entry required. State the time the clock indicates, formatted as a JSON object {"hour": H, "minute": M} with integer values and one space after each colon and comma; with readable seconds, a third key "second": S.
{"hour": 8, "minute": 38, "second": 27}
